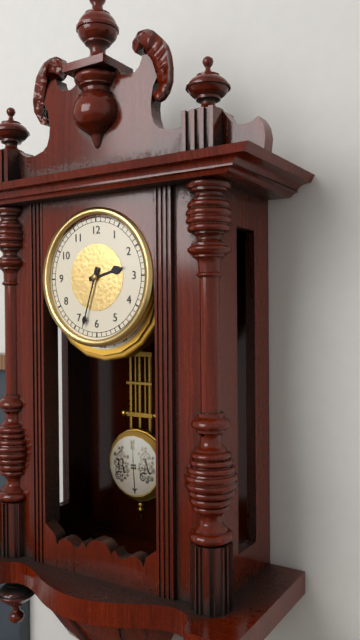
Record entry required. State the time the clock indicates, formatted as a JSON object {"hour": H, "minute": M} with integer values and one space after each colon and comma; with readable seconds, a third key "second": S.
{"hour": 2, "minute": 33}
